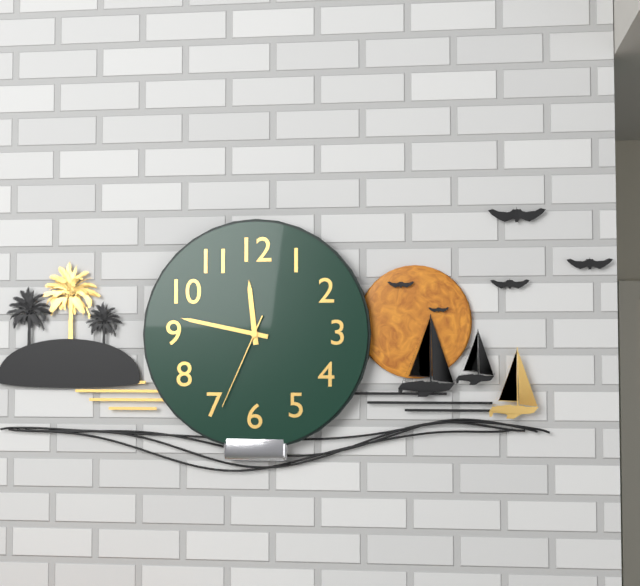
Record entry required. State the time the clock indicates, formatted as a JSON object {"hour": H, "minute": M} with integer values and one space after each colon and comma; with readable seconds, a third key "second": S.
{"hour": 11, "minute": 47, "second": 34}
